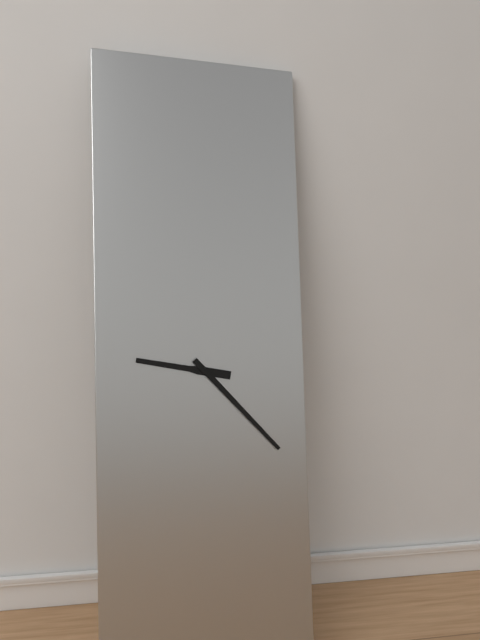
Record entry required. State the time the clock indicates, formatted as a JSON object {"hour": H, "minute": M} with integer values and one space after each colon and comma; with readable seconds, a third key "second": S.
{"hour": 9, "minute": 23}
